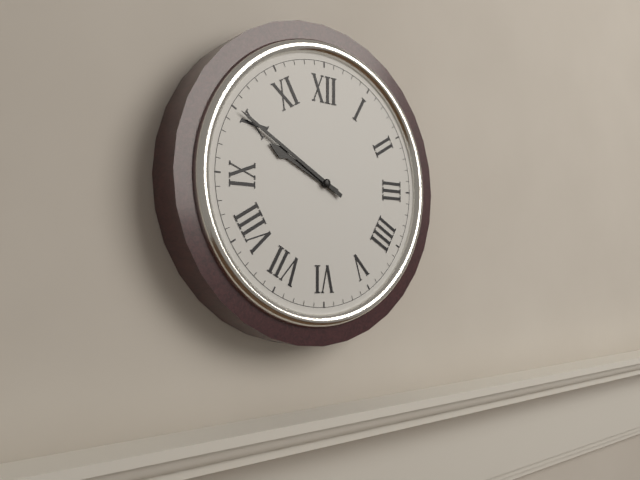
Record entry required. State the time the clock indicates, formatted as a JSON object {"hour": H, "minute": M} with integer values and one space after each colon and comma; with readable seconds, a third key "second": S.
{"hour": 9, "minute": 50}
